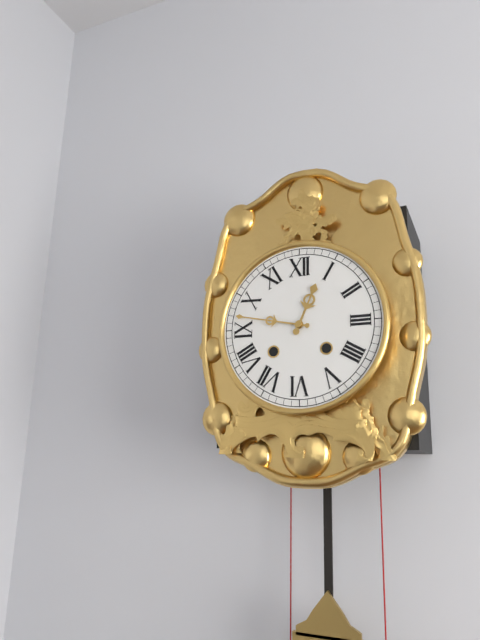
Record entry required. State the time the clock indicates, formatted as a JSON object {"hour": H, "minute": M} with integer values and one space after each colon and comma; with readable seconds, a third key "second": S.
{"hour": 12, "minute": 47}
